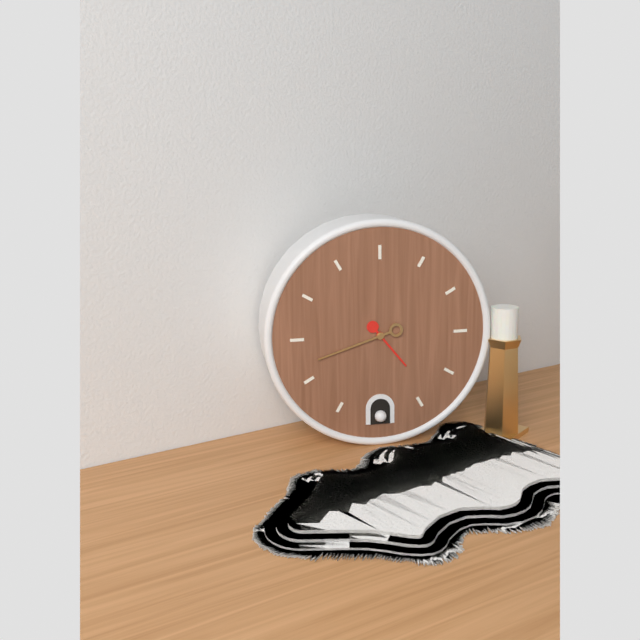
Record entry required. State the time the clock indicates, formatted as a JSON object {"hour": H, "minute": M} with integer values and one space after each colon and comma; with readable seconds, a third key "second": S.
{"hour": 4, "minute": 42}
